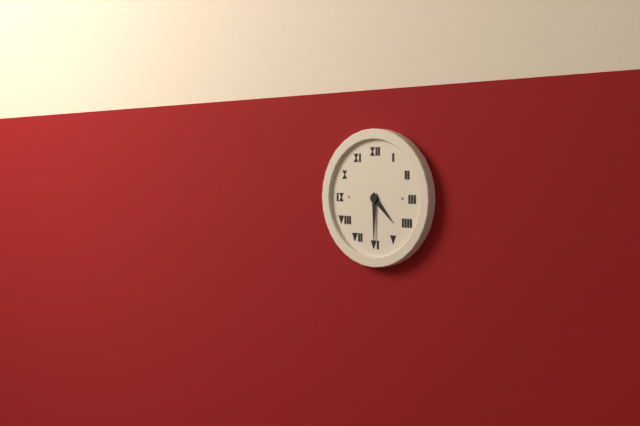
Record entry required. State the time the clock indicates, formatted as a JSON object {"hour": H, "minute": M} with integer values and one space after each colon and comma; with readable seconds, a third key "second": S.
{"hour": 4, "minute": 30}
